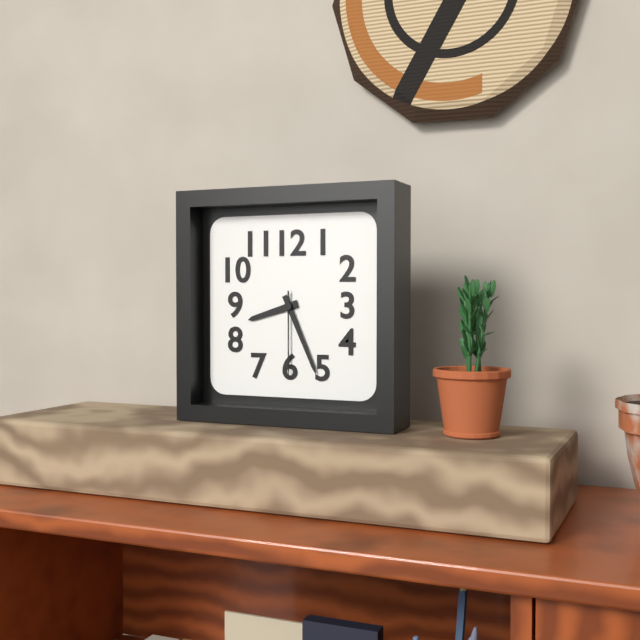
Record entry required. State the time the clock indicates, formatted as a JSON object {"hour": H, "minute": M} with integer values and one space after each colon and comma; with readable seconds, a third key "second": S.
{"hour": 8, "minute": 26, "second": 30}
